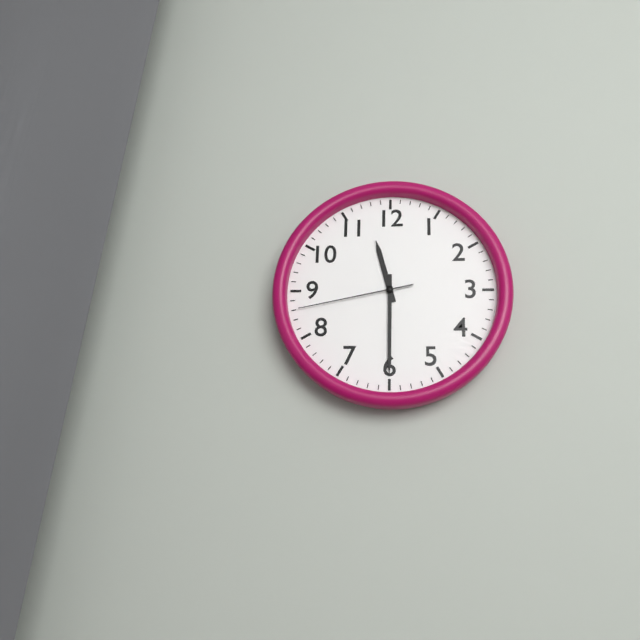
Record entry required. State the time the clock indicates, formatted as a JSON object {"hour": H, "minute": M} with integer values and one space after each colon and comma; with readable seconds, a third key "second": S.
{"hour": 11, "minute": 30, "second": 43}
